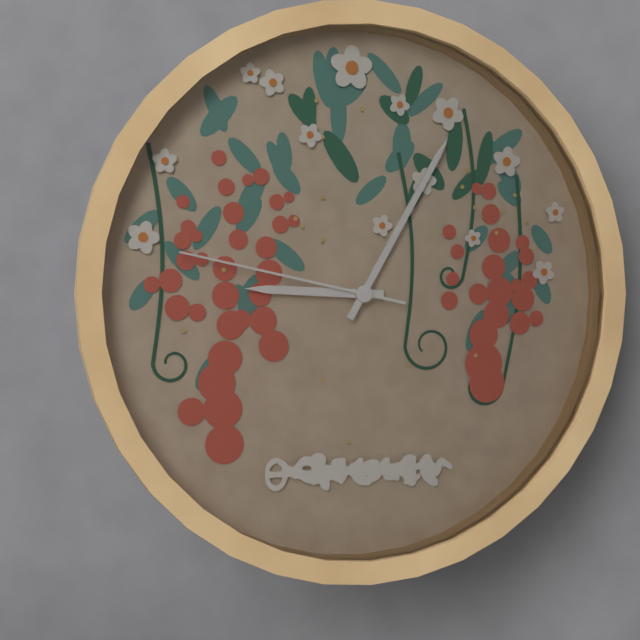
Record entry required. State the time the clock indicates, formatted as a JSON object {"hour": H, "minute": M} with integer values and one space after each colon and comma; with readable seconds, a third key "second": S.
{"hour": 9, "minute": 5, "second": 47}
